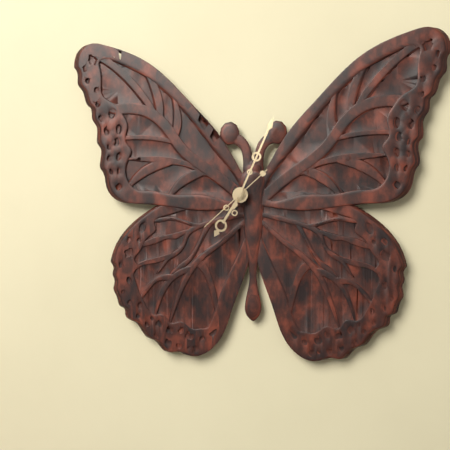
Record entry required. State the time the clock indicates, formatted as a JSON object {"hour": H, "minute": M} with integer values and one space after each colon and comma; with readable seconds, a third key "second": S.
{"hour": 7, "minute": 4, "second": 38}
